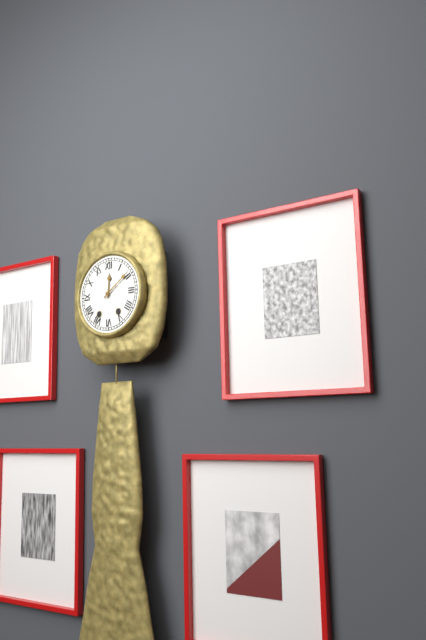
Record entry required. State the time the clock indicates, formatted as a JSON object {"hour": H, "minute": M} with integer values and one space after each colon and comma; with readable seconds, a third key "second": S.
{"hour": 12, "minute": 9}
